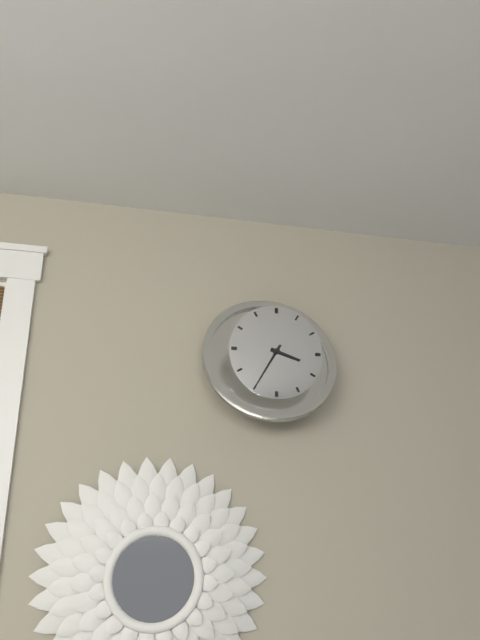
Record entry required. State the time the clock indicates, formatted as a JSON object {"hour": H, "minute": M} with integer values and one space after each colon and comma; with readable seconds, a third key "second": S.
{"hour": 3, "minute": 35}
